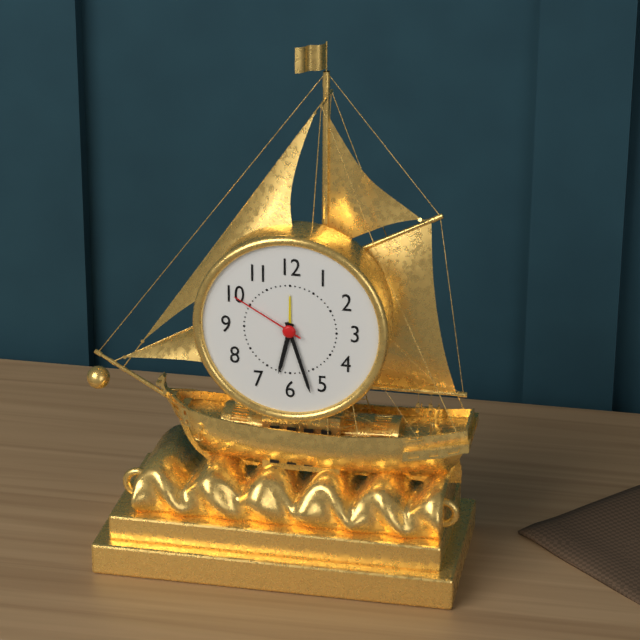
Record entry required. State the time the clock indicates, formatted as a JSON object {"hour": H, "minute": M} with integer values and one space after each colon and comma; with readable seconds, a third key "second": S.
{"hour": 6, "minute": 27, "second": 50}
